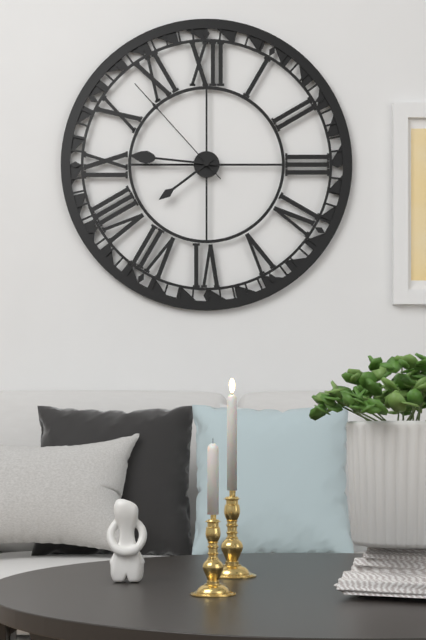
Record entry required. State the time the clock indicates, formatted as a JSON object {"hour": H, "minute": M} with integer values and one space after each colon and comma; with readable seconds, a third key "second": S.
{"hour": 7, "minute": 46, "second": 53}
